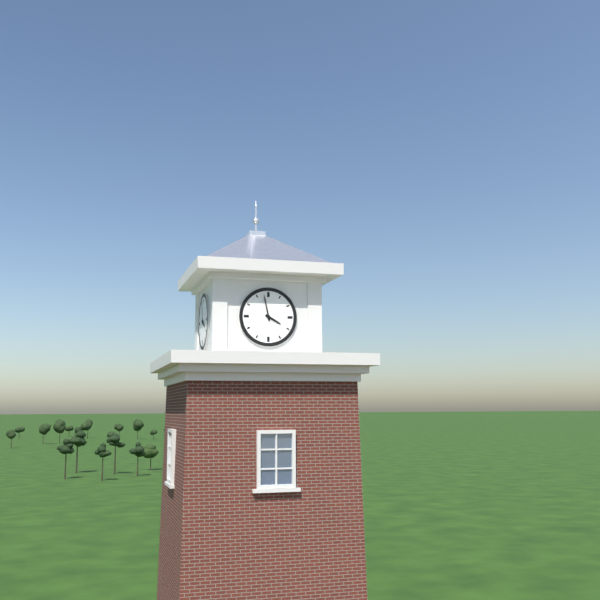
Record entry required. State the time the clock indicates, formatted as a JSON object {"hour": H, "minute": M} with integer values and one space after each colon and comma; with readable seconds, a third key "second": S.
{"hour": 3, "minute": 58}
